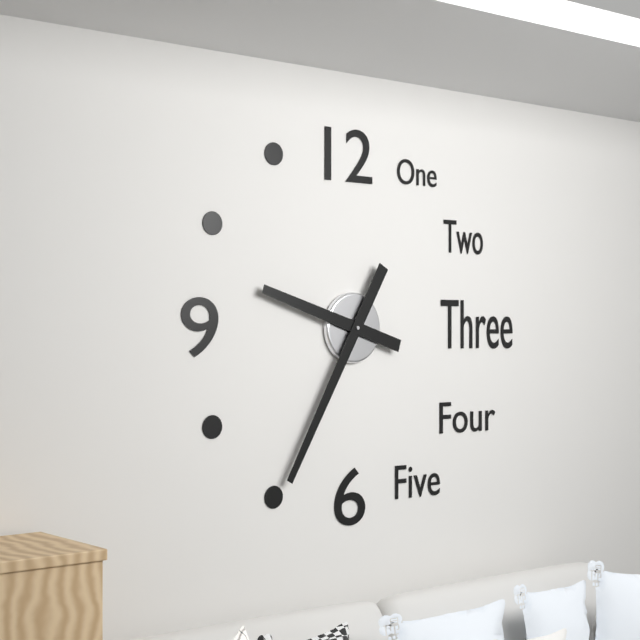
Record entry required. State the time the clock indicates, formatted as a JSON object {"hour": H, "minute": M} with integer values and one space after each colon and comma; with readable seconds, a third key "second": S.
{"hour": 9, "minute": 35}
